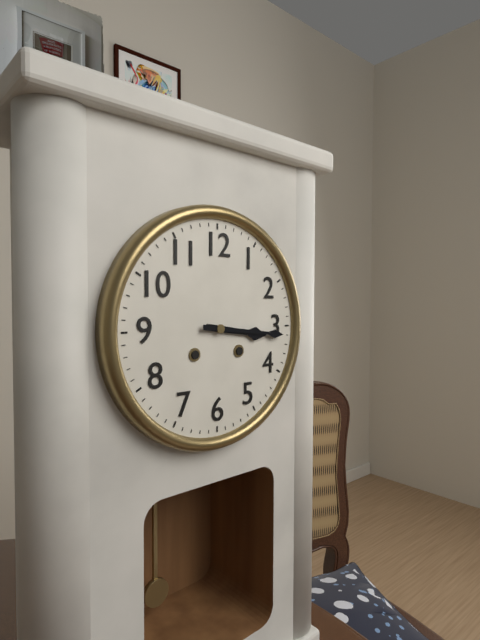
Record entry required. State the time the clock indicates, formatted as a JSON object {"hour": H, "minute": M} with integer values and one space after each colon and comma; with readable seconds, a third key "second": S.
{"hour": 3, "minute": 16}
